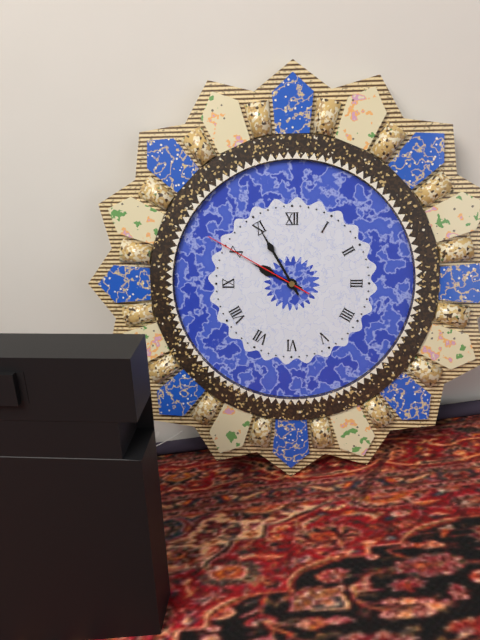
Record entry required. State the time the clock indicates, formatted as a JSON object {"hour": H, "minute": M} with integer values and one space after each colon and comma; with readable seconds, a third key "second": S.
{"hour": 9, "minute": 55, "second": 50}
